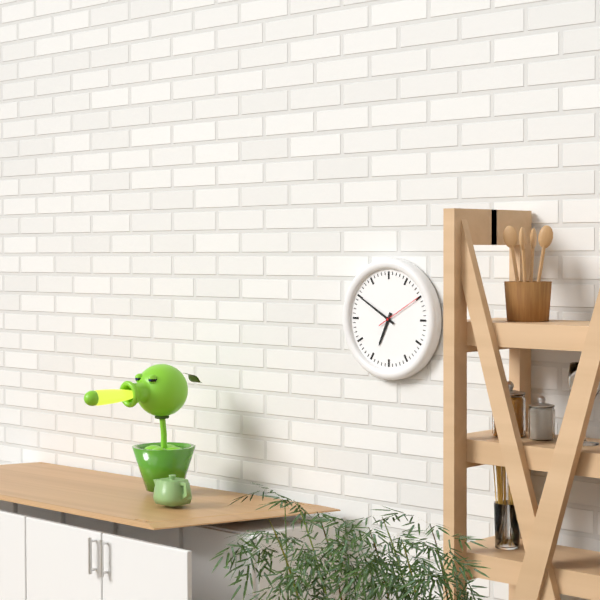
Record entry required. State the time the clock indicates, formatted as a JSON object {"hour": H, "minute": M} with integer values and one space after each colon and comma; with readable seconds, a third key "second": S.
{"hour": 6, "minute": 50}
